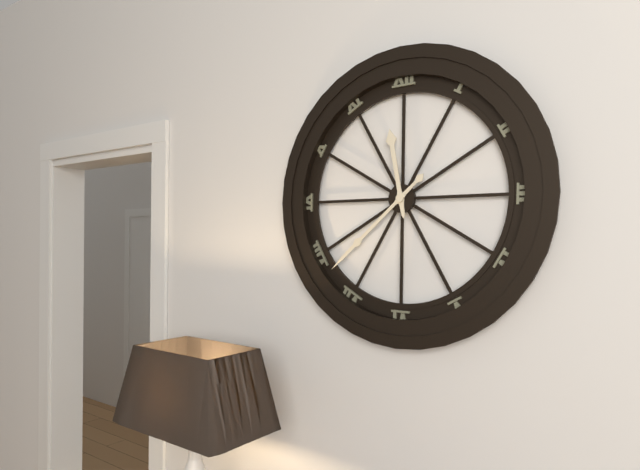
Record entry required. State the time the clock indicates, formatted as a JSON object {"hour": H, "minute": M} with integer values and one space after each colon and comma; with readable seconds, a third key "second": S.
{"hour": 11, "minute": 38}
